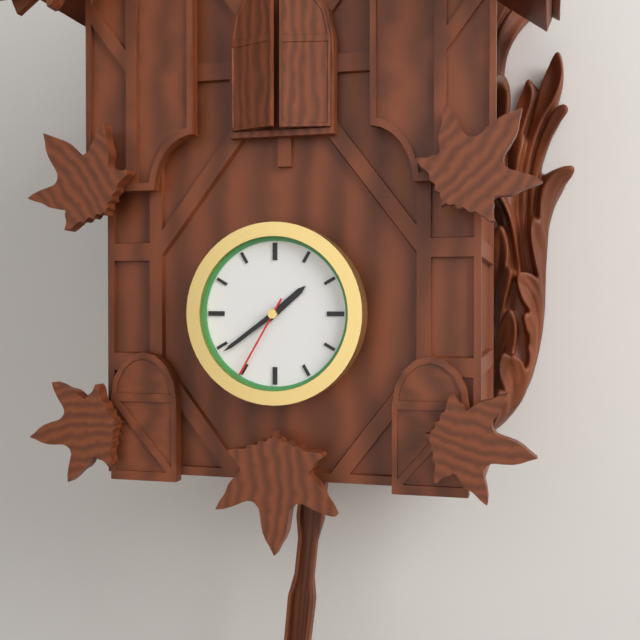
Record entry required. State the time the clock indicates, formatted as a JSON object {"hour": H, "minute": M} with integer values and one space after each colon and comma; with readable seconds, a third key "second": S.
{"hour": 1, "minute": 39, "second": 35}
